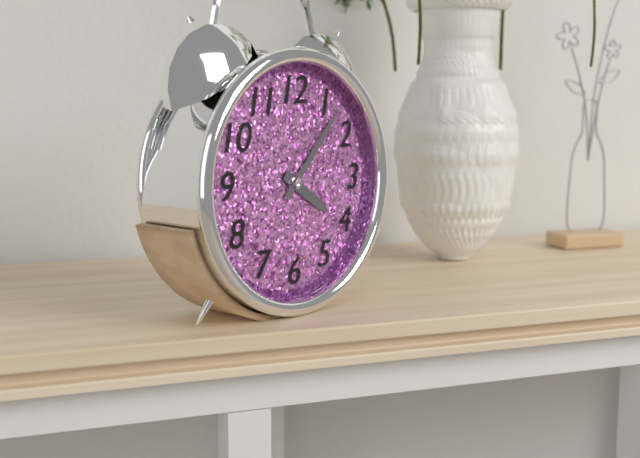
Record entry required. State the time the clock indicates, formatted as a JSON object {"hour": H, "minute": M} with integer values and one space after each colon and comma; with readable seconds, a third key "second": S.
{"hour": 4, "minute": 7}
